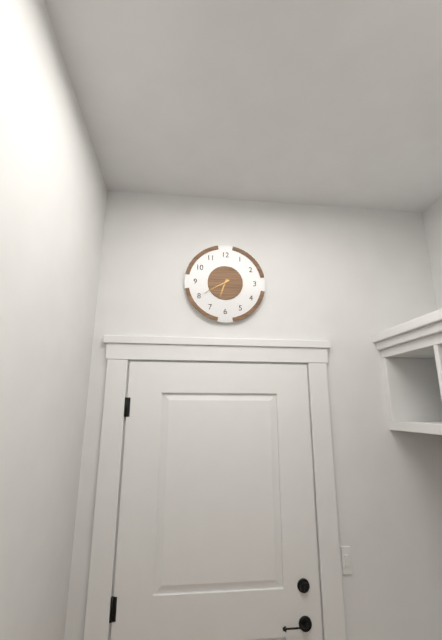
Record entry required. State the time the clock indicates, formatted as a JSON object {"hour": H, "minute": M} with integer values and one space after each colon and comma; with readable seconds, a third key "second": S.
{"hour": 6, "minute": 40}
